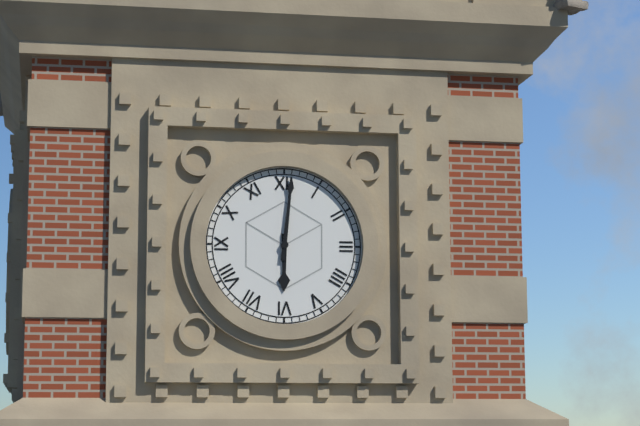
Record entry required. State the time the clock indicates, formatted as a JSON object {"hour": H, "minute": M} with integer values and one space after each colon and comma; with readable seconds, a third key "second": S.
{"hour": 6, "minute": 1}
